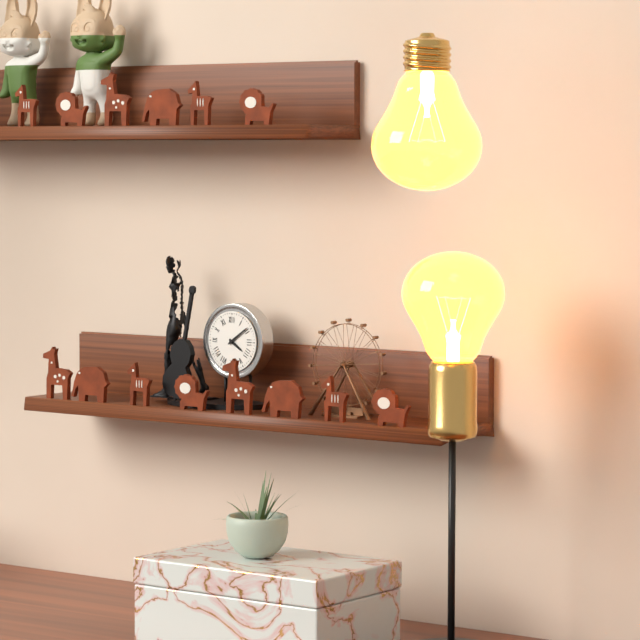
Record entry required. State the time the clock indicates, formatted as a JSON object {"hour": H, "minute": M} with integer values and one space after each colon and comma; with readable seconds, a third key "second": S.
{"hour": 4, "minute": 9}
